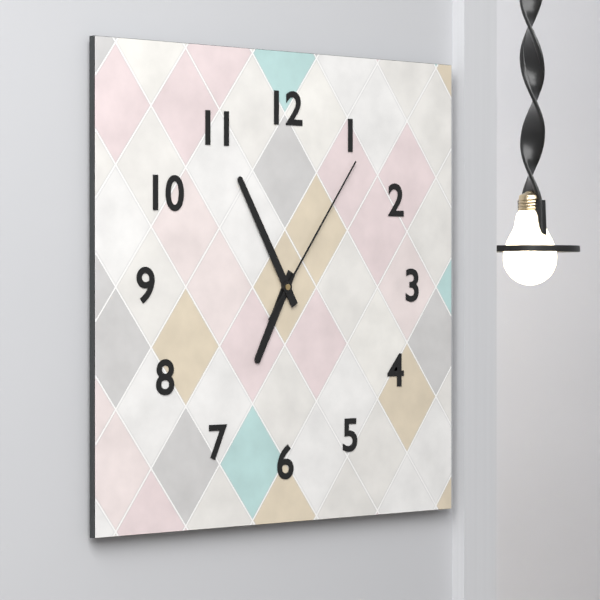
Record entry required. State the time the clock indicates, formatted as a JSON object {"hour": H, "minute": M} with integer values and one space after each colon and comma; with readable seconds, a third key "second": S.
{"hour": 6, "minute": 55, "second": 6}
